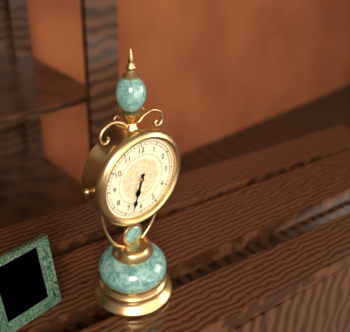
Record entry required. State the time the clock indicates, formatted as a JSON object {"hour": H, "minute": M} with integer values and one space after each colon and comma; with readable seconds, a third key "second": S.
{"hour": 6, "minute": 33}
